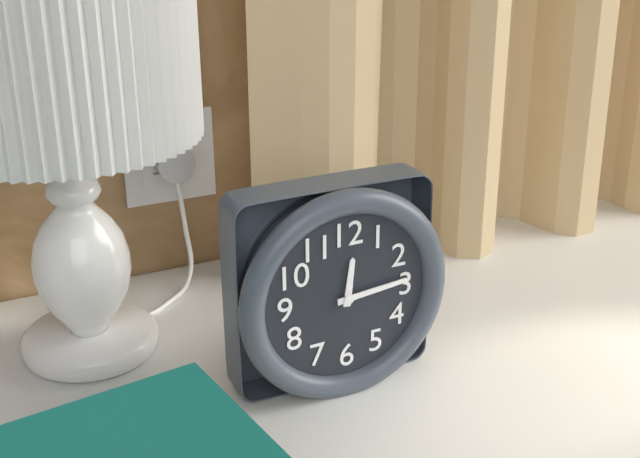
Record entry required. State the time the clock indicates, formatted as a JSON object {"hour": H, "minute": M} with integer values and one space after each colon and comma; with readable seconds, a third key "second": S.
{"hour": 12, "minute": 14}
